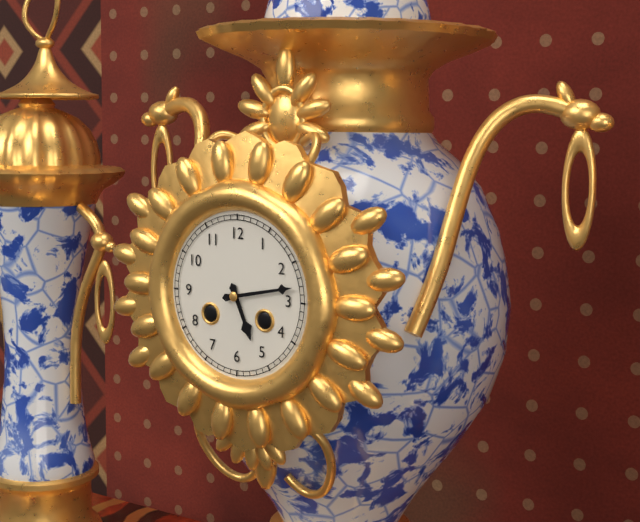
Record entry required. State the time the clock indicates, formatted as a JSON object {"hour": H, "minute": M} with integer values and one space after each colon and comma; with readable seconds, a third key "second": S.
{"hour": 5, "minute": 13}
